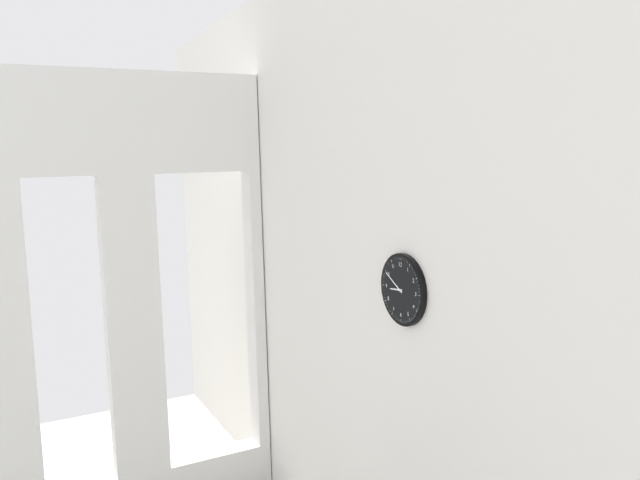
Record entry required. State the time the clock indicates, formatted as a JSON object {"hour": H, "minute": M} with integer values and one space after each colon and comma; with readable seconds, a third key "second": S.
{"hour": 8, "minute": 50}
